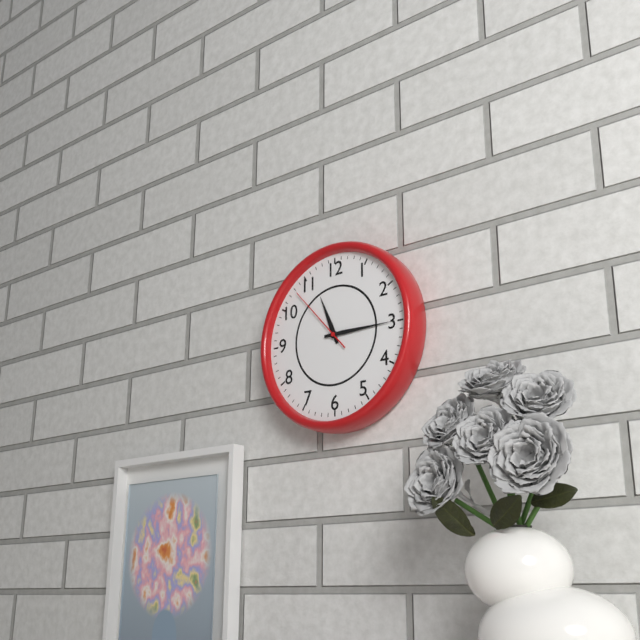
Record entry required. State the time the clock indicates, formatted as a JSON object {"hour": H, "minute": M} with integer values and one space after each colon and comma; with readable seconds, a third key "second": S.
{"hour": 11, "minute": 15, "second": 53}
